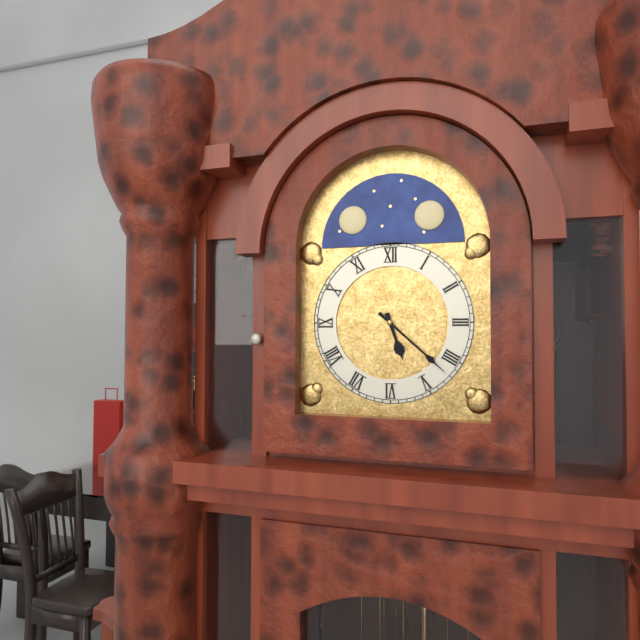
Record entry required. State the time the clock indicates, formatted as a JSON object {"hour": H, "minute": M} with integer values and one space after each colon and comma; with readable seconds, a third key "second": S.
{"hour": 5, "minute": 22}
